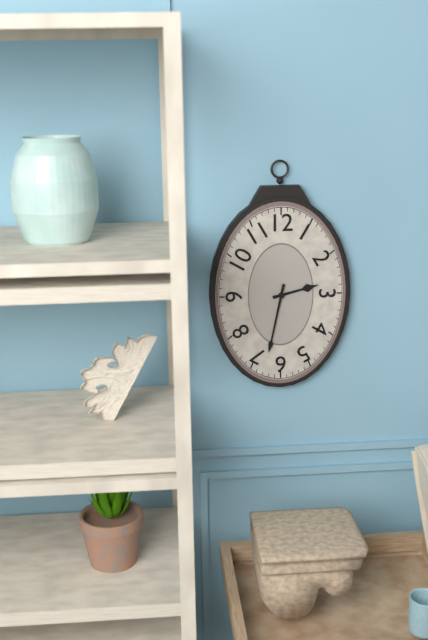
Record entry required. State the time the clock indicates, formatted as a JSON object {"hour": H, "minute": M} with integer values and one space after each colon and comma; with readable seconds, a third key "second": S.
{"hour": 2, "minute": 32}
